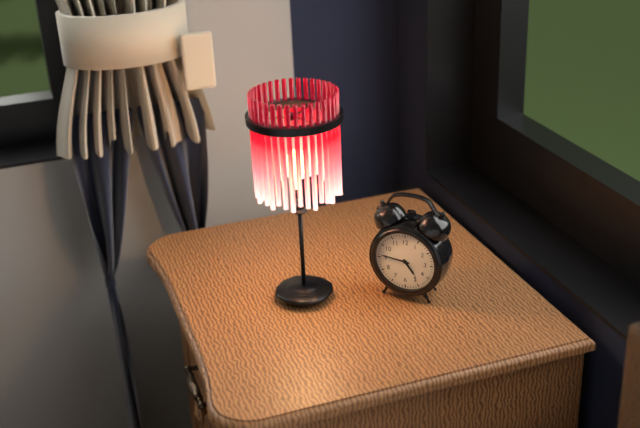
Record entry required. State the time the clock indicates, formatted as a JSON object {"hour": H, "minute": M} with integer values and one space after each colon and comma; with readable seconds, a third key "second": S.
{"hour": 4, "minute": 46}
